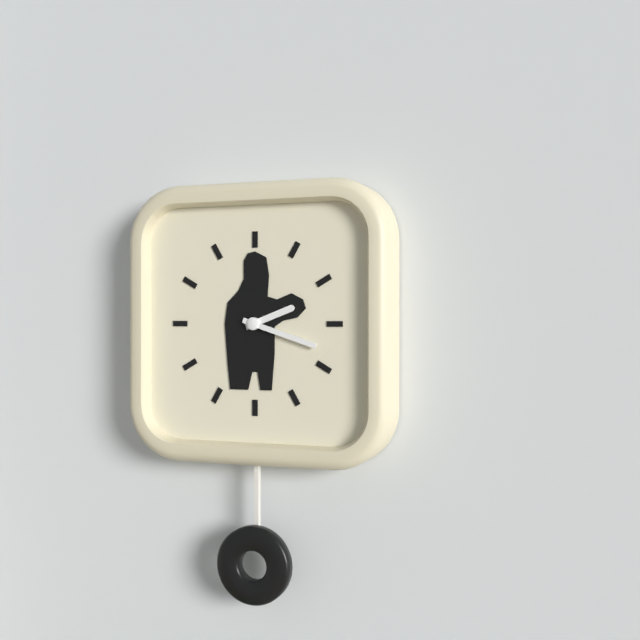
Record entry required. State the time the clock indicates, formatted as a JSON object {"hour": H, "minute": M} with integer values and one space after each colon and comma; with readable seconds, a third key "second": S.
{"hour": 2, "minute": 18}
